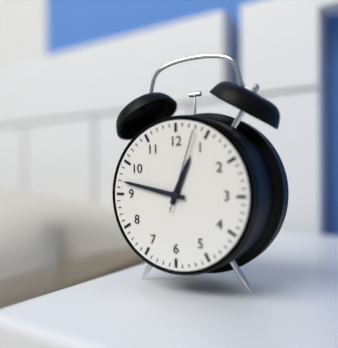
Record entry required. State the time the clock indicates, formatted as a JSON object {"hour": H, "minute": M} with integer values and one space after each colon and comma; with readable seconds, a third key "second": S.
{"hour": 12, "minute": 47, "second": 3}
